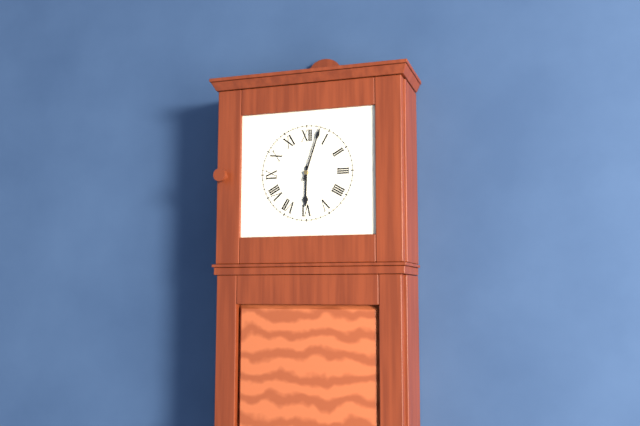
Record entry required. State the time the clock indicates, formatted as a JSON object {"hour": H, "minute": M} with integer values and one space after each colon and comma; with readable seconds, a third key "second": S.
{"hour": 6, "minute": 3}
